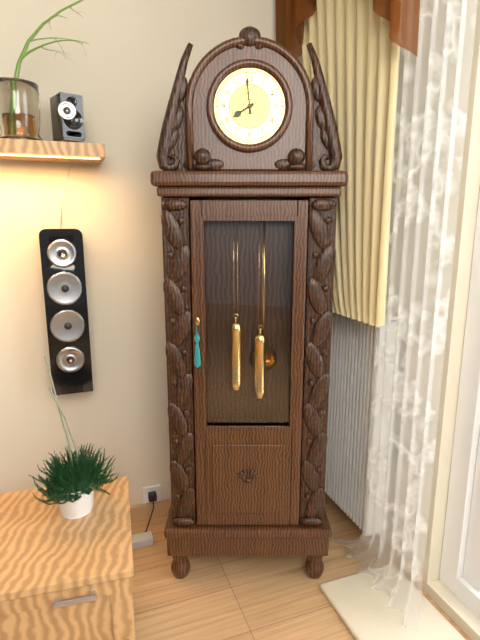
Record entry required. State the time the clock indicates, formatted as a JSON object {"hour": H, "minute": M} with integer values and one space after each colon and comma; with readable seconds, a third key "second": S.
{"hour": 7, "minute": 59}
